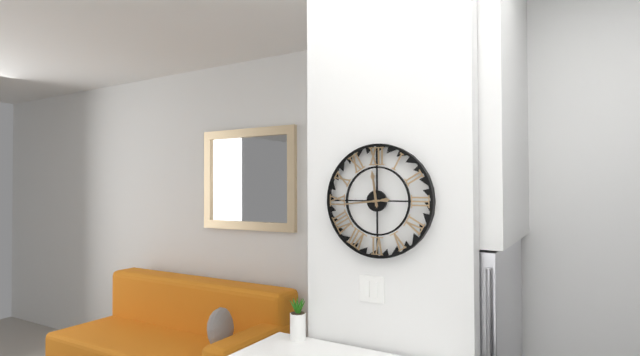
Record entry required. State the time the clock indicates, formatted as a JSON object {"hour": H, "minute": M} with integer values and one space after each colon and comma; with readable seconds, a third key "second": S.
{"hour": 11, "minute": 44}
